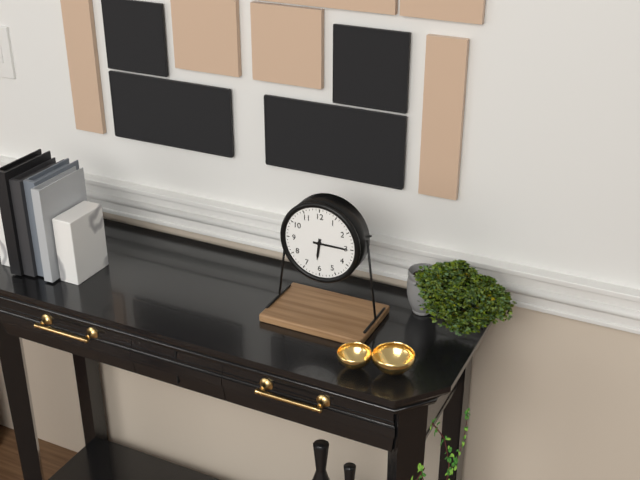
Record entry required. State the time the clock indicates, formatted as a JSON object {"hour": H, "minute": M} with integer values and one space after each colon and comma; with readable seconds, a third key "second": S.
{"hour": 6, "minute": 15}
